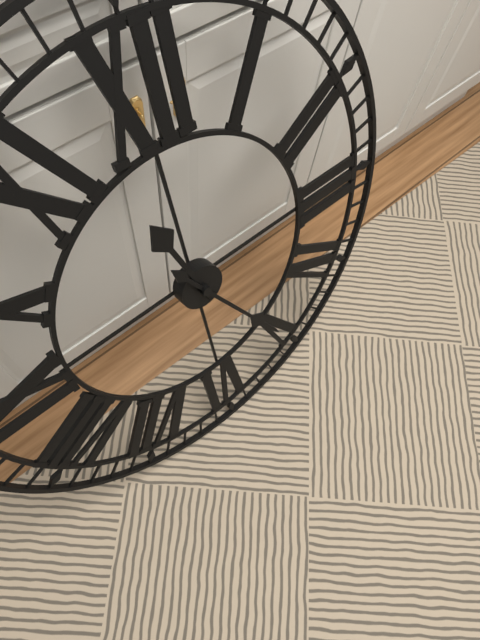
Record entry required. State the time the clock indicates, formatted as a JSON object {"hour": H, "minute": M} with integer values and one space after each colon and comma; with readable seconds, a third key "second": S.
{"hour": 11, "minute": 25}
